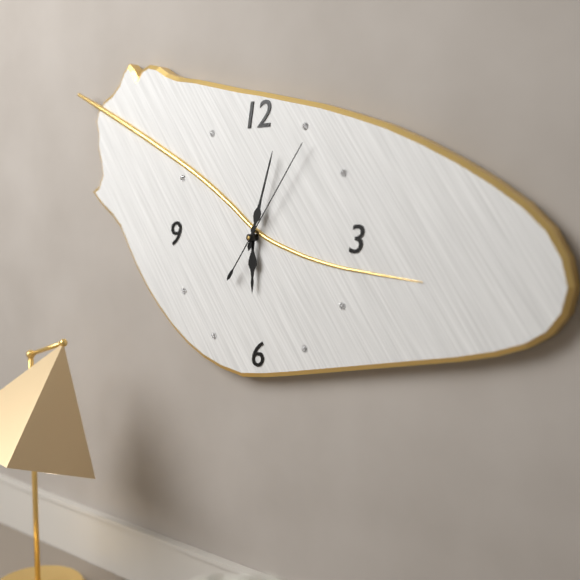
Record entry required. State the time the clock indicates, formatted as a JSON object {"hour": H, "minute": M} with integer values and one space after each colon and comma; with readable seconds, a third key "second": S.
{"hour": 6, "minute": 3, "second": 6}
